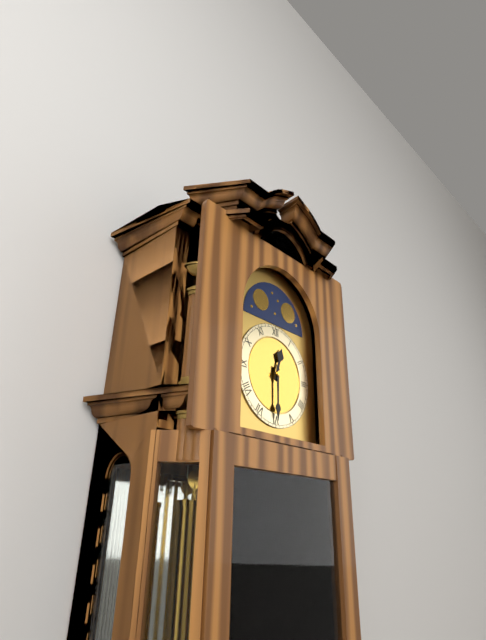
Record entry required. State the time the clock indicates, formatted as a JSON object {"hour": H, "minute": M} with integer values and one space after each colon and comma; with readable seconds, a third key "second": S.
{"hour": 12, "minute": 30}
